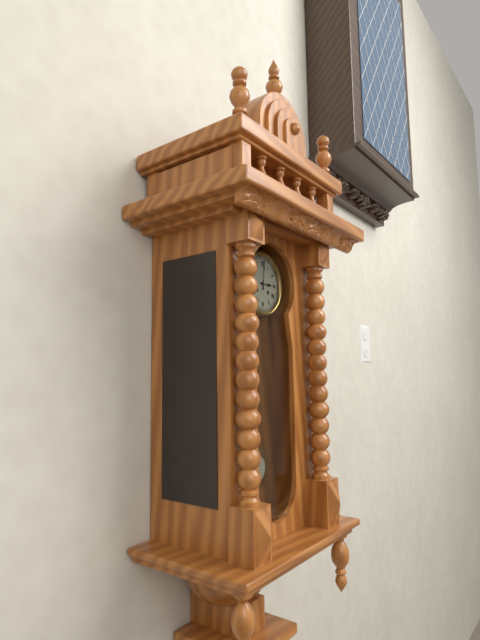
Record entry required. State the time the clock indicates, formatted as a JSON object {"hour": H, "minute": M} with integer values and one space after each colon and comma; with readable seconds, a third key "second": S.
{"hour": 3, "minute": 1}
